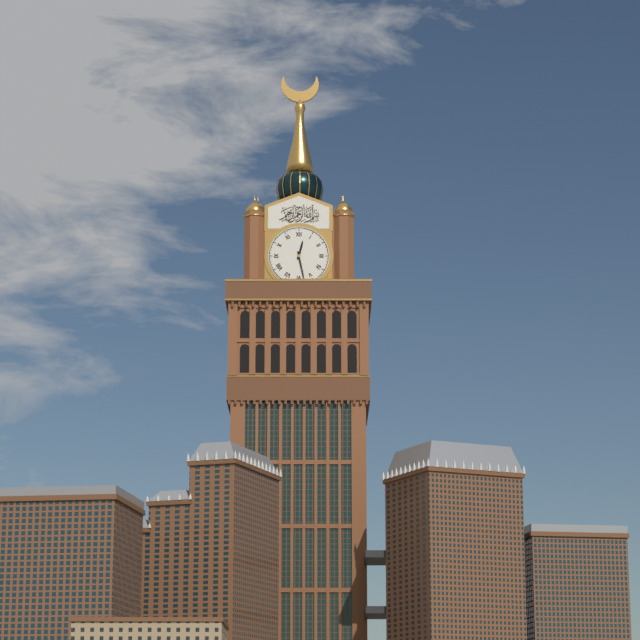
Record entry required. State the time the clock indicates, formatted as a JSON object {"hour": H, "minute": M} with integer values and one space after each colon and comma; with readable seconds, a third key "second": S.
{"hour": 12, "minute": 28}
